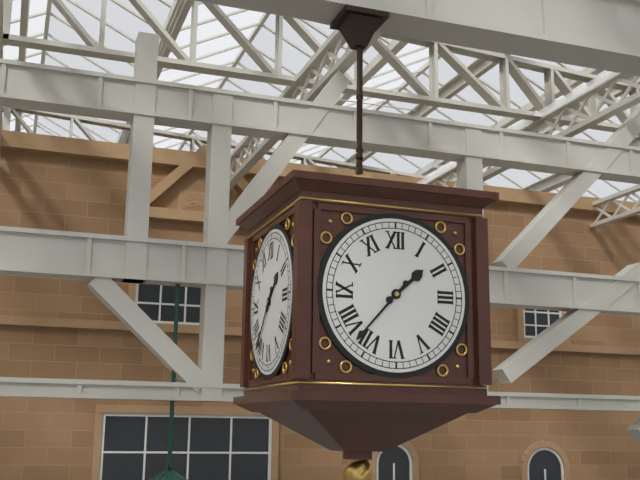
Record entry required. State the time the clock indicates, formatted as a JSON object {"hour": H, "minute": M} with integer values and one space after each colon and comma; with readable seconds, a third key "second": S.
{"hour": 1, "minute": 37}
